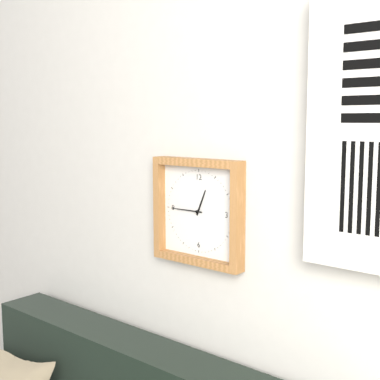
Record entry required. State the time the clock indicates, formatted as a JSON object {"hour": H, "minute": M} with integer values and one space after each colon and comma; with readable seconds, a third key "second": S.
{"hour": 12, "minute": 45}
